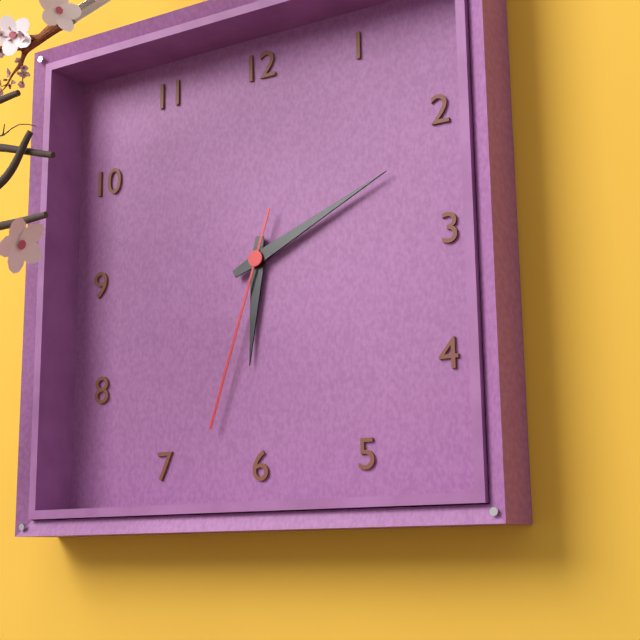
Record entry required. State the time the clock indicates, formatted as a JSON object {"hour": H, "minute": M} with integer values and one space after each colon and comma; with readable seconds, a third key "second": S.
{"hour": 6, "minute": 11, "second": 33}
